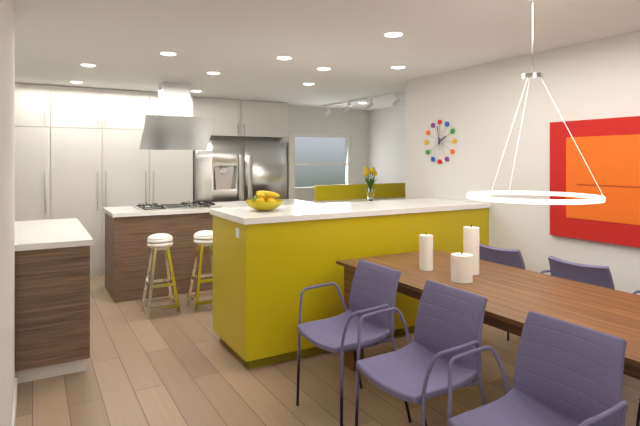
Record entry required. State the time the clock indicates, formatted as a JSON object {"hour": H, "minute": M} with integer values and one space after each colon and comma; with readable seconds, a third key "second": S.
{"hour": 1, "minute": 59}
